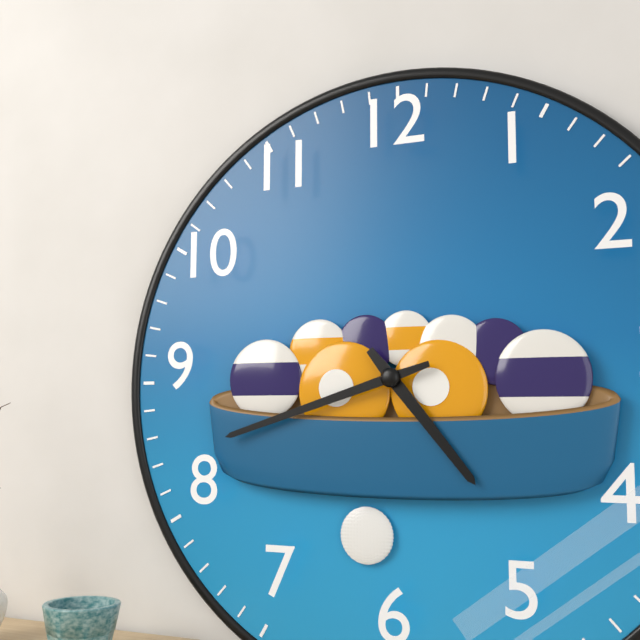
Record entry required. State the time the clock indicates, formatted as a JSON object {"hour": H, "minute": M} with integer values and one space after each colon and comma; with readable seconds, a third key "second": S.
{"hour": 4, "minute": 42}
